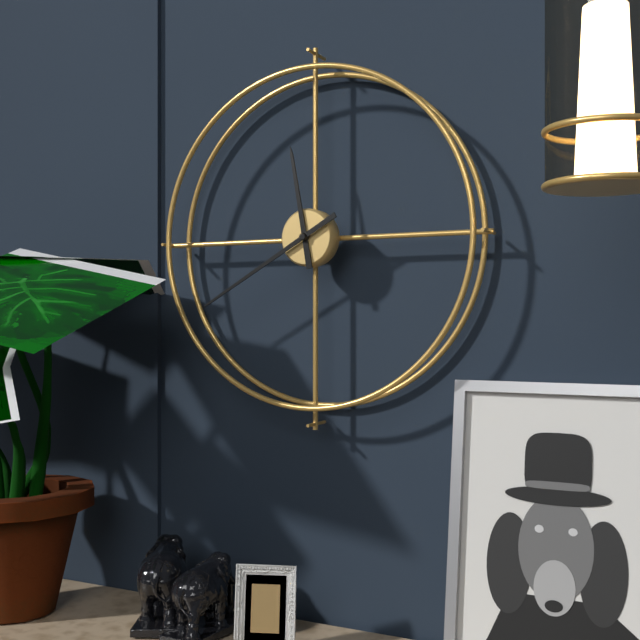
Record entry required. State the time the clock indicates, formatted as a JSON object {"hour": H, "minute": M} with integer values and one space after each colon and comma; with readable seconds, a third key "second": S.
{"hour": 11, "minute": 40}
